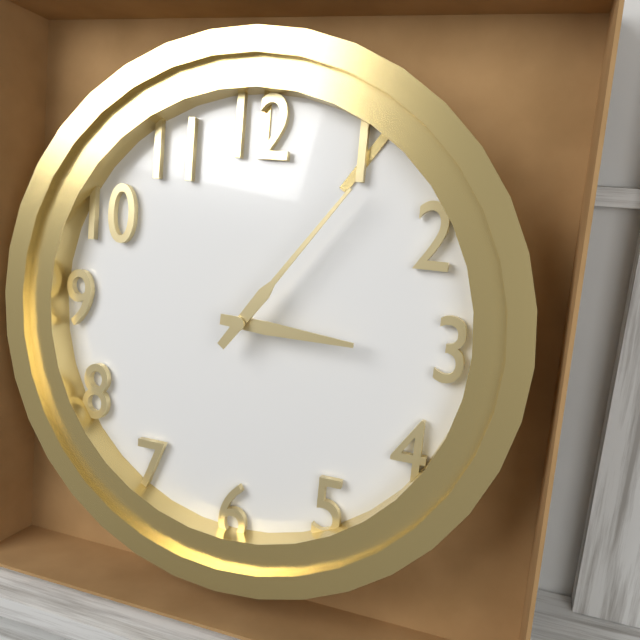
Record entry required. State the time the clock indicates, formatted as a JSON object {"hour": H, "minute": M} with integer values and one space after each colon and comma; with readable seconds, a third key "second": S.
{"hour": 3, "minute": 6}
